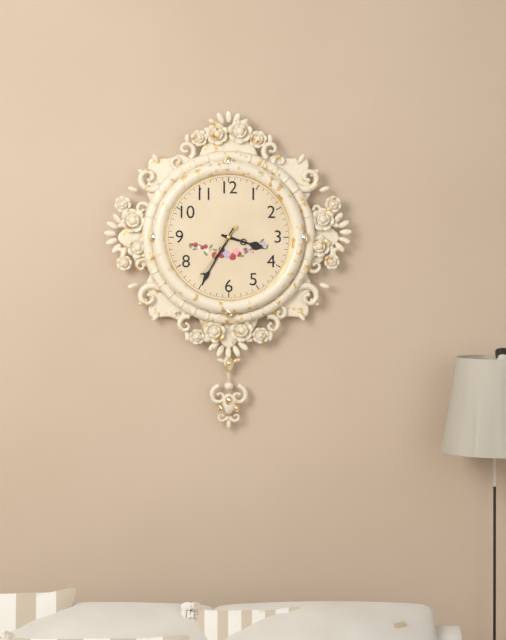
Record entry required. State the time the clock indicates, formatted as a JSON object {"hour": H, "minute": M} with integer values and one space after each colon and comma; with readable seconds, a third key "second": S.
{"hour": 3, "minute": 35, "second": 36}
